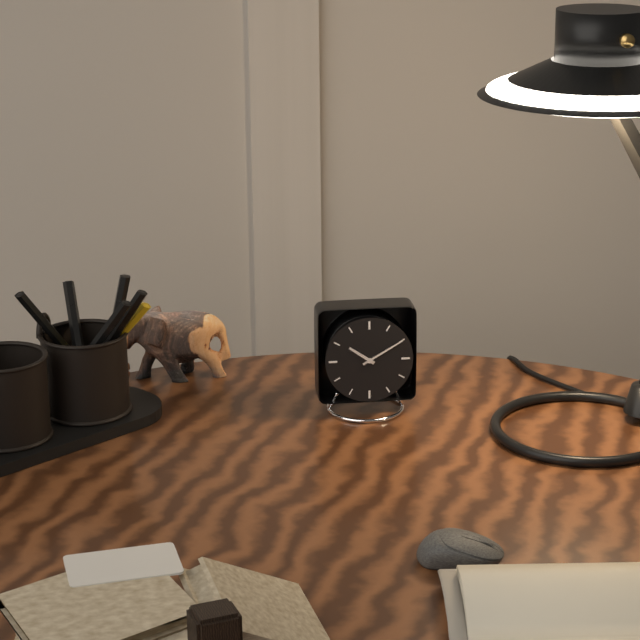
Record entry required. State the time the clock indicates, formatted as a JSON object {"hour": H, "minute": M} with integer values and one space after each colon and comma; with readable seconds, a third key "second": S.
{"hour": 10, "minute": 10}
